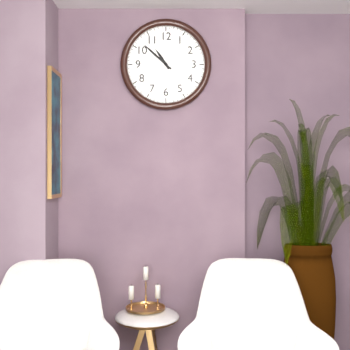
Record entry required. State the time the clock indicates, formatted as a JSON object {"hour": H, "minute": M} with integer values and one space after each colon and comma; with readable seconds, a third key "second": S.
{"hour": 10, "minute": 52}
